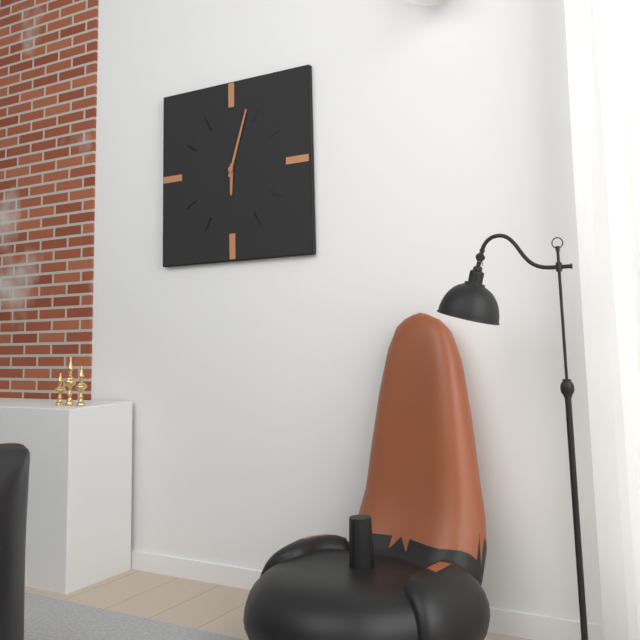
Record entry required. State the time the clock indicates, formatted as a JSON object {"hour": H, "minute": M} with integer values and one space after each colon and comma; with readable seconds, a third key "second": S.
{"hour": 6, "minute": 3}
